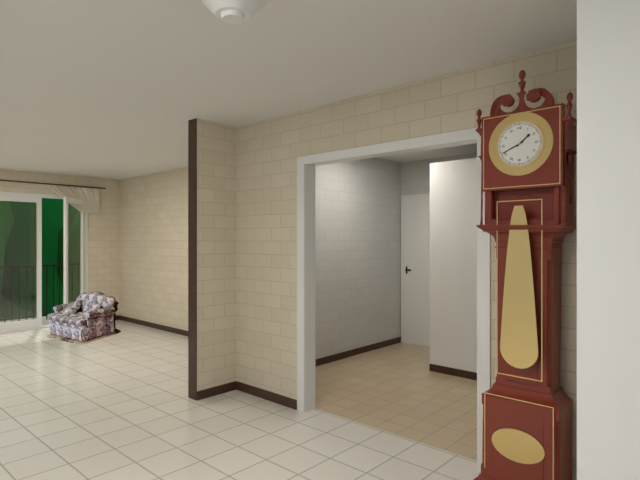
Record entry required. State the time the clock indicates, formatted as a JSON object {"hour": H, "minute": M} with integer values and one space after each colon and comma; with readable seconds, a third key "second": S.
{"hour": 1, "minute": 41}
